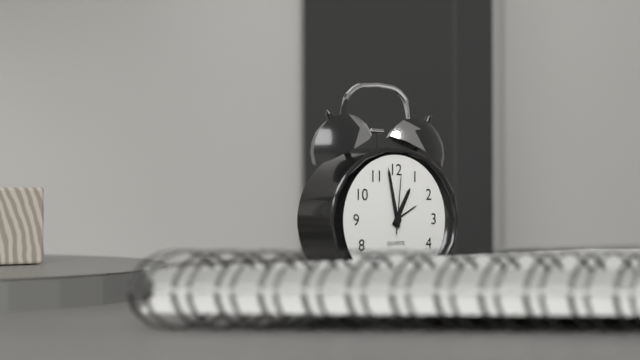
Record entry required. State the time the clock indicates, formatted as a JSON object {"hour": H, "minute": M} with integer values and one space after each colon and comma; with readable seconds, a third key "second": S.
{"hour": 12, "minute": 58, "second": 1}
